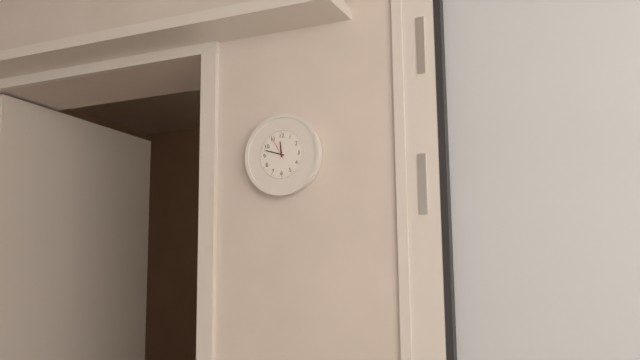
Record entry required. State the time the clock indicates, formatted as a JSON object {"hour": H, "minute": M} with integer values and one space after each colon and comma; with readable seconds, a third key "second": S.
{"hour": 11, "minute": 48}
